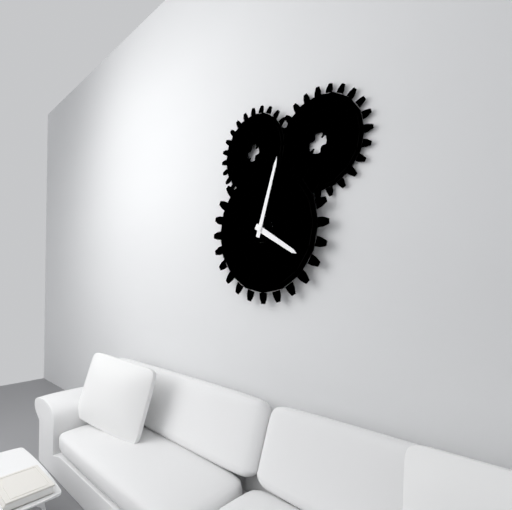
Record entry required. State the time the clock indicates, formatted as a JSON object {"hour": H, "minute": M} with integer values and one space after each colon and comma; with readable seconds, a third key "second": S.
{"hour": 4, "minute": 3}
